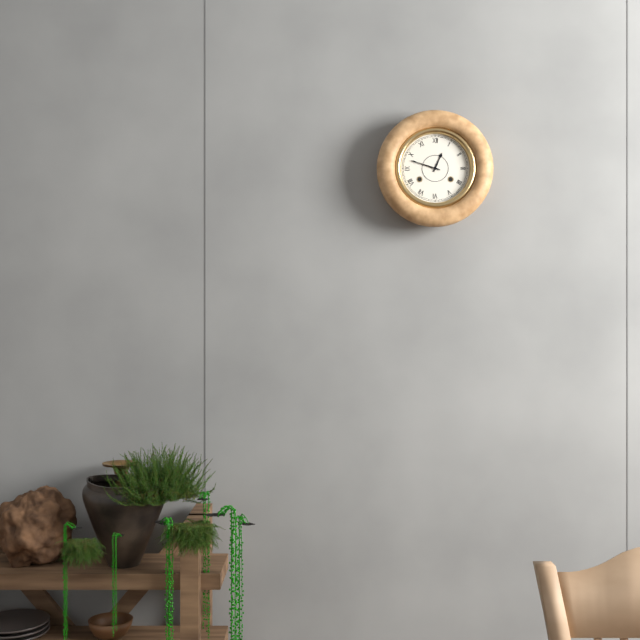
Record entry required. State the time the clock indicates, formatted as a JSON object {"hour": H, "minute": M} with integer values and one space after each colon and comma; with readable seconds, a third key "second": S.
{"hour": 12, "minute": 48}
